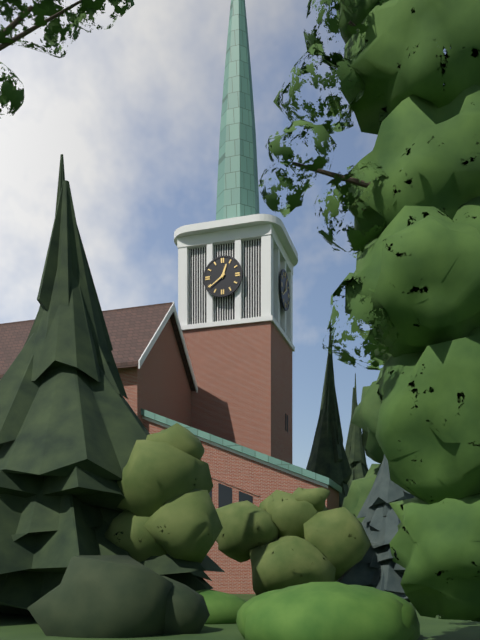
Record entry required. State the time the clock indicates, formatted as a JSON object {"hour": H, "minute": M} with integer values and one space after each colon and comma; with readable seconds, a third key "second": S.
{"hour": 12, "minute": 39}
